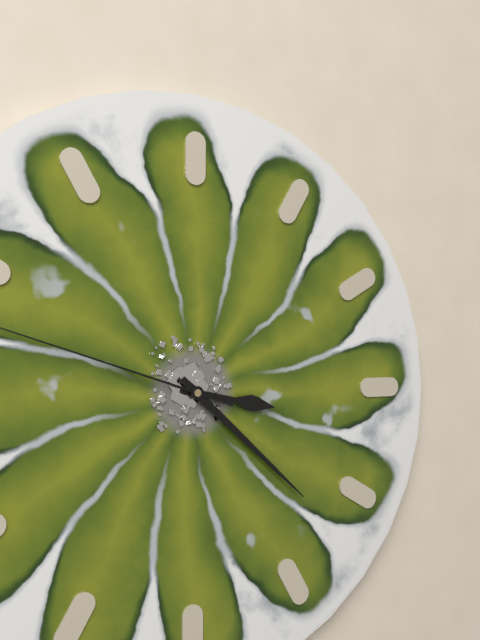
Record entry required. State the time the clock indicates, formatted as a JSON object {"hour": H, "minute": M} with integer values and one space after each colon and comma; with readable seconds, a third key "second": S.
{"hour": 3, "minute": 22}
